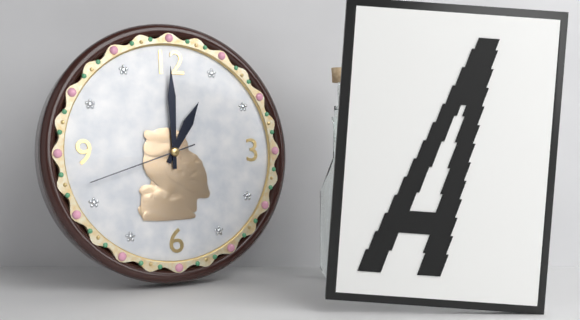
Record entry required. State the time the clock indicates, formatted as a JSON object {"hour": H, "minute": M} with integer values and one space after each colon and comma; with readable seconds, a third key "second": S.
{"hour": 1, "minute": 0, "second": 42}
